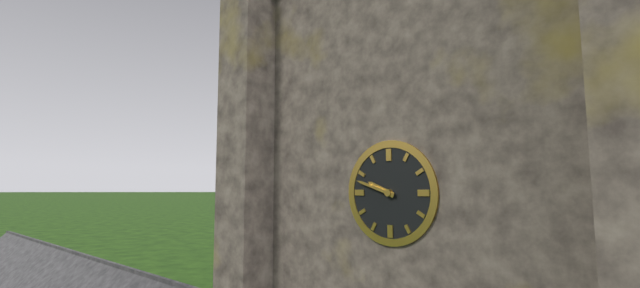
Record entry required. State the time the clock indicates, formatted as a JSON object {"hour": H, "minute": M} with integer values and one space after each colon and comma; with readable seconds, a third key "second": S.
{"hour": 9, "minute": 48}
